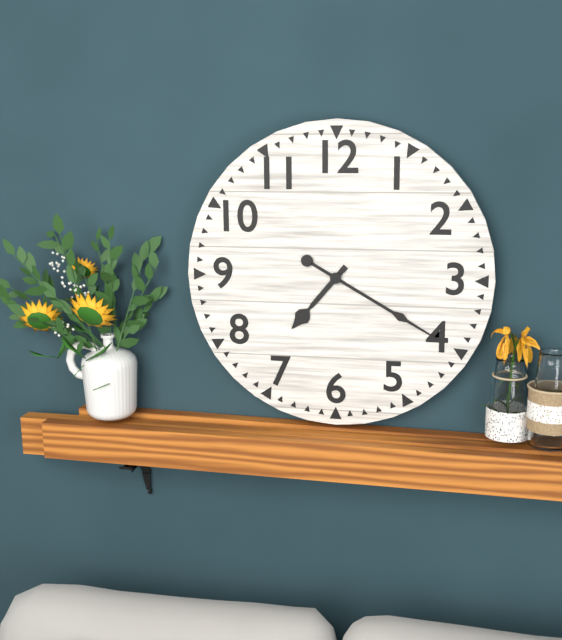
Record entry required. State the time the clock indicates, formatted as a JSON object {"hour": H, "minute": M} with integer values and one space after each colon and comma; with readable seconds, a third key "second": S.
{"hour": 7, "minute": 20}
